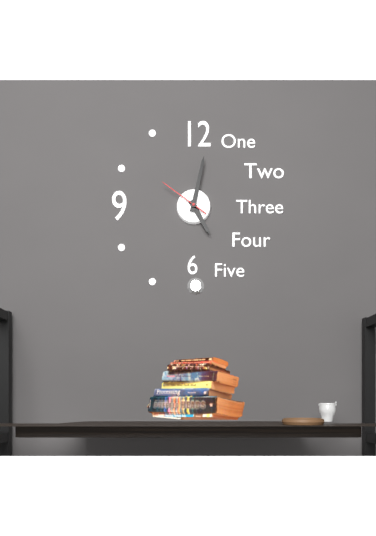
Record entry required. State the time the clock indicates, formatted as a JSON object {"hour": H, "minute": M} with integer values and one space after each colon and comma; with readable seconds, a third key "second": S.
{"hour": 5, "minute": 2}
